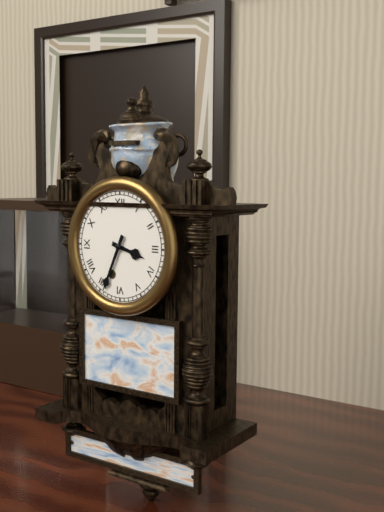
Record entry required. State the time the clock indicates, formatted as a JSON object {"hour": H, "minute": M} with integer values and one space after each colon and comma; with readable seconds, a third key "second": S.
{"hour": 3, "minute": 34}
